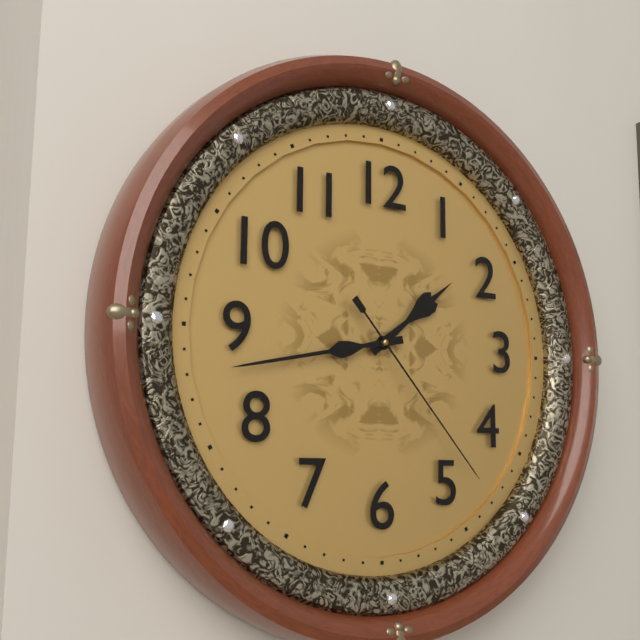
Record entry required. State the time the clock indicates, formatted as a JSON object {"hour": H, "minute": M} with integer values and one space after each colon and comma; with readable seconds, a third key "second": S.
{"hour": 1, "minute": 43, "second": 23}
